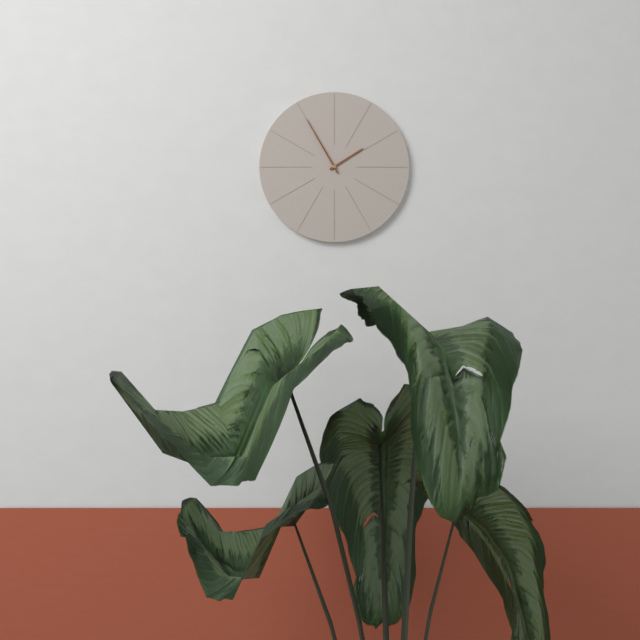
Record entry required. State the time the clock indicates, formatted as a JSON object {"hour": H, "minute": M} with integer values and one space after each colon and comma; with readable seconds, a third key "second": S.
{"hour": 1, "minute": 55}
